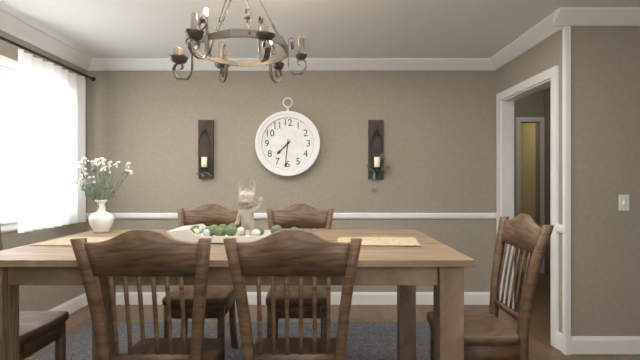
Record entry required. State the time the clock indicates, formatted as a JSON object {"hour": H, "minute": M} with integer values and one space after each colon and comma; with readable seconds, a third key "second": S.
{"hour": 7, "minute": 31}
